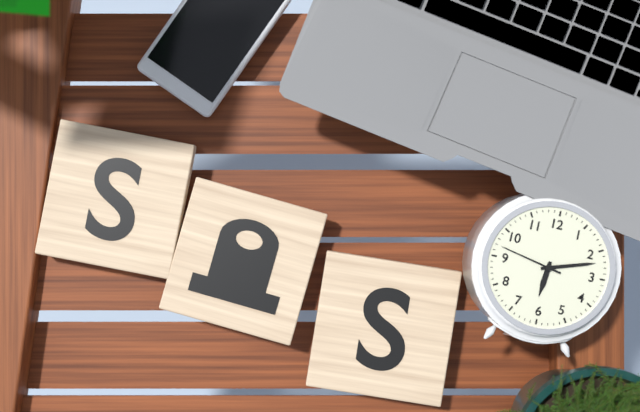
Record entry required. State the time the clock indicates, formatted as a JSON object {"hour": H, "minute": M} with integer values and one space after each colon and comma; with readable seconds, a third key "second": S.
{"hour": 6, "minute": 12, "second": 47}
